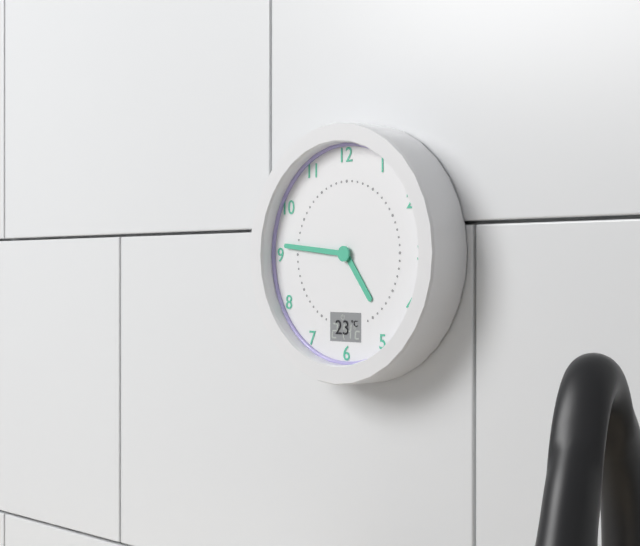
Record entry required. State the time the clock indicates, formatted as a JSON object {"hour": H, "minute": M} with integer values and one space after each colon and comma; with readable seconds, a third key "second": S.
{"hour": 4, "minute": 46}
